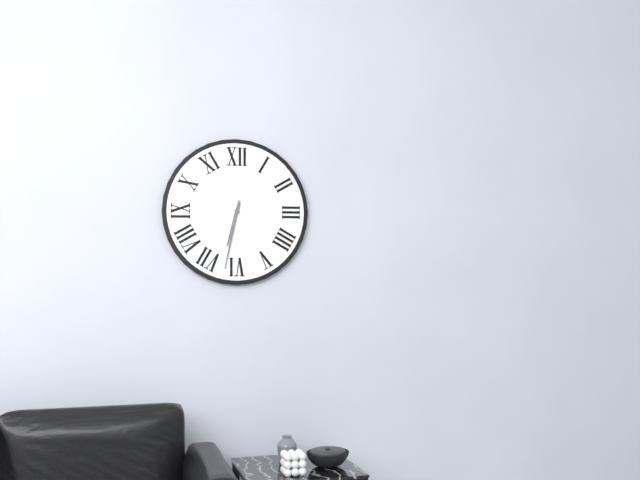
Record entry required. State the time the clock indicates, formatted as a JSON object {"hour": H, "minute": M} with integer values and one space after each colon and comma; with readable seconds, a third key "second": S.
{"hour": 6, "minute": 32}
